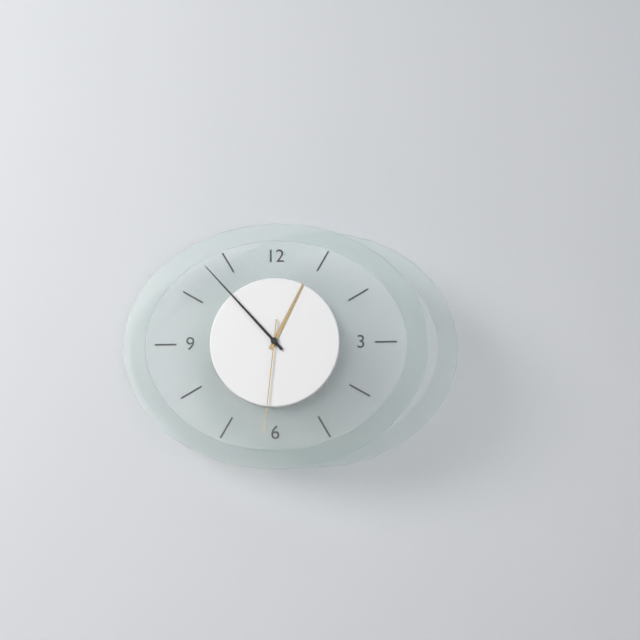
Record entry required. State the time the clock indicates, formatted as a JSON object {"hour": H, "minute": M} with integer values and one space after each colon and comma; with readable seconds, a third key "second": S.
{"hour": 12, "minute": 53, "second": 31}
